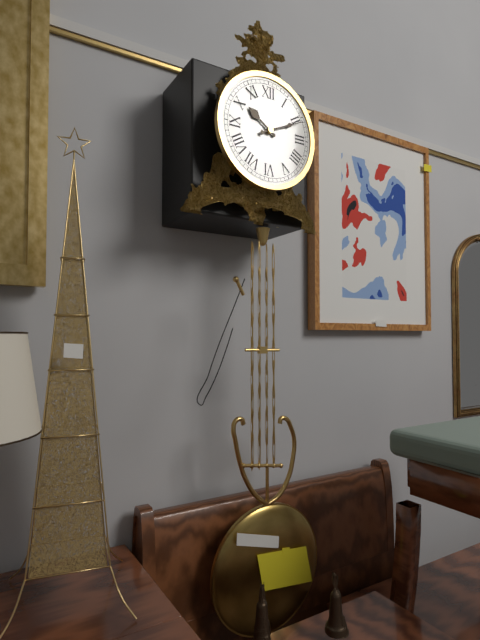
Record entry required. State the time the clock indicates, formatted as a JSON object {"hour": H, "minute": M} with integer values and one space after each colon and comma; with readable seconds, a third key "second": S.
{"hour": 10, "minute": 11}
